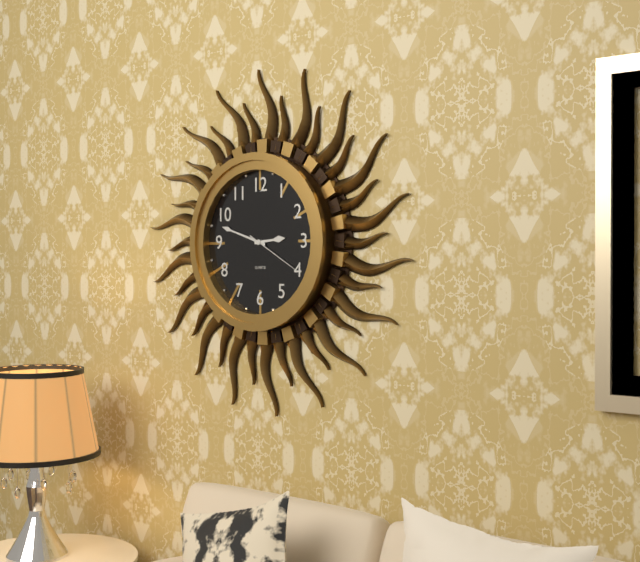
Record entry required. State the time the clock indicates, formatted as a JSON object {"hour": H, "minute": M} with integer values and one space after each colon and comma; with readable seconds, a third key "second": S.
{"hour": 2, "minute": 48, "second": 20}
